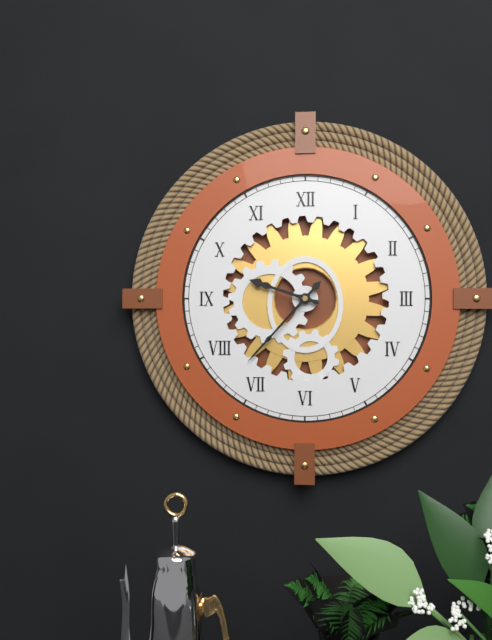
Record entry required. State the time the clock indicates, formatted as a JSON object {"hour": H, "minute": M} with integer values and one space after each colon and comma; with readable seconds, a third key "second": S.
{"hour": 9, "minute": 37}
